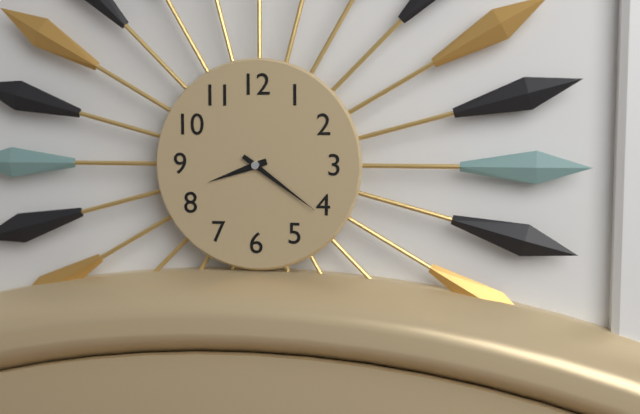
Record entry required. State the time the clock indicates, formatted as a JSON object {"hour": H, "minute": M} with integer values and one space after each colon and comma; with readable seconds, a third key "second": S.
{"hour": 8, "minute": 21}
